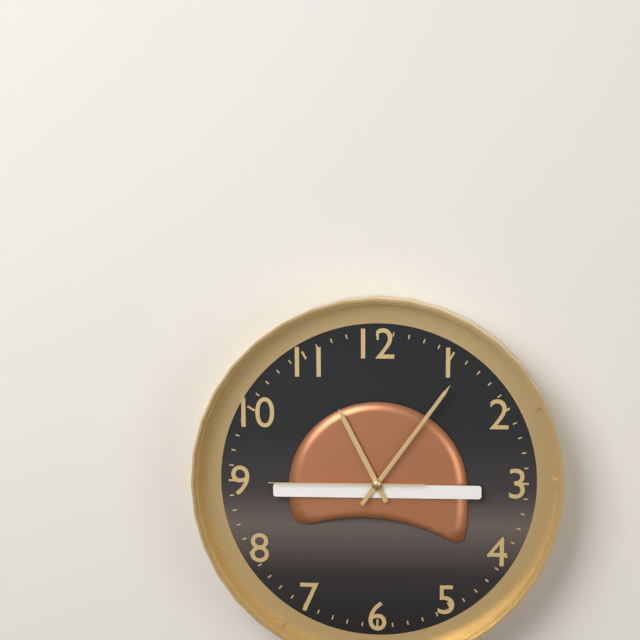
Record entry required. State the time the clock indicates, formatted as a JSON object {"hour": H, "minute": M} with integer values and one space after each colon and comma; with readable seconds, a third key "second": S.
{"hour": 11, "minute": 6, "second": 45}
